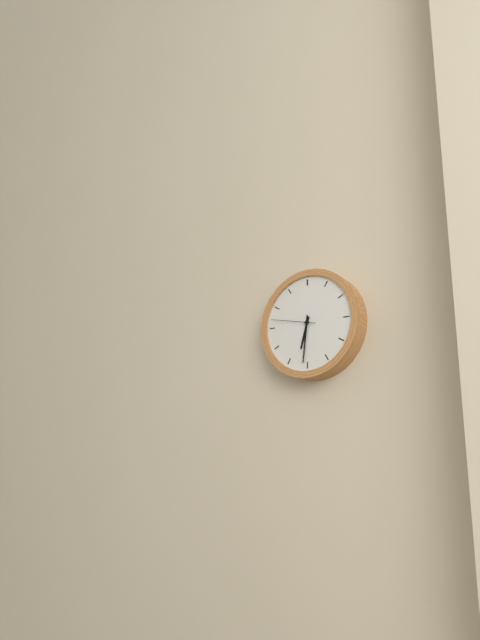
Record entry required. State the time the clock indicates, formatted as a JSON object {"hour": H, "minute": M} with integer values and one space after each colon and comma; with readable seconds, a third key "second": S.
{"hour": 6, "minute": 31}
